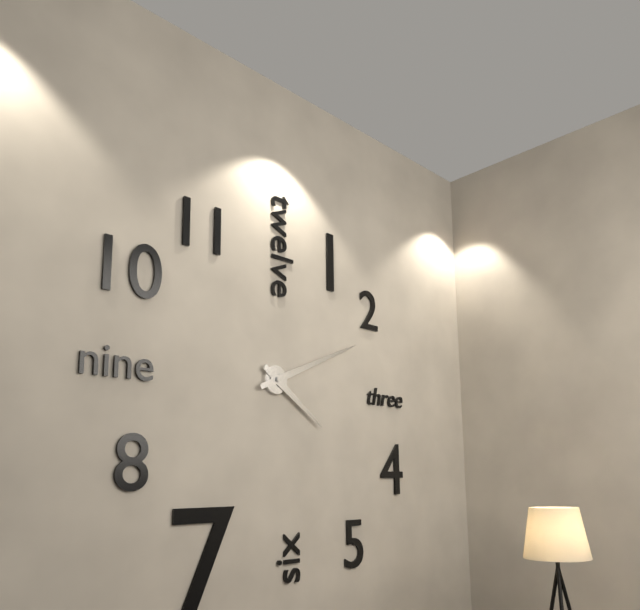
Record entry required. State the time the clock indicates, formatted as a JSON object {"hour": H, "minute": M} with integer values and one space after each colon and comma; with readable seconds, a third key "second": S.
{"hour": 4, "minute": 11}
